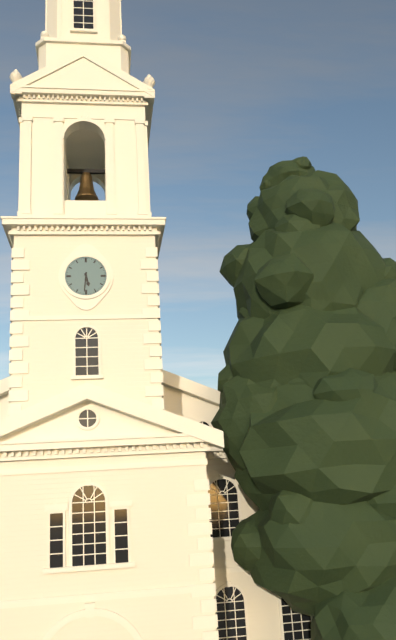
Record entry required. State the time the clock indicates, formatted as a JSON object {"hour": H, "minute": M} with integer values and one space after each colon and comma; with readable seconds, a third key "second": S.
{"hour": 5, "minute": 31}
